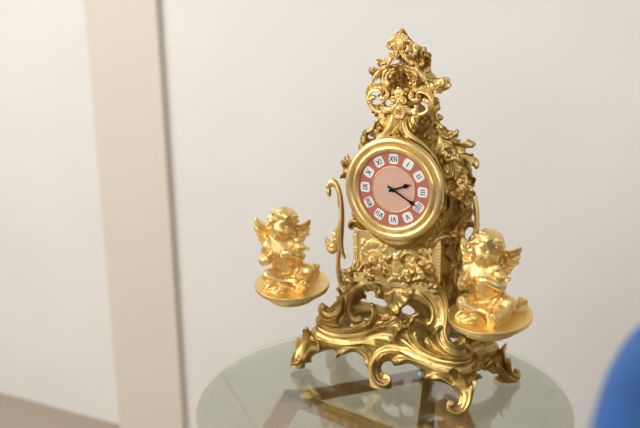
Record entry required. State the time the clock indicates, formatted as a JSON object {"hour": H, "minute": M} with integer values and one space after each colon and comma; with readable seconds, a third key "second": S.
{"hour": 2, "minute": 20}
